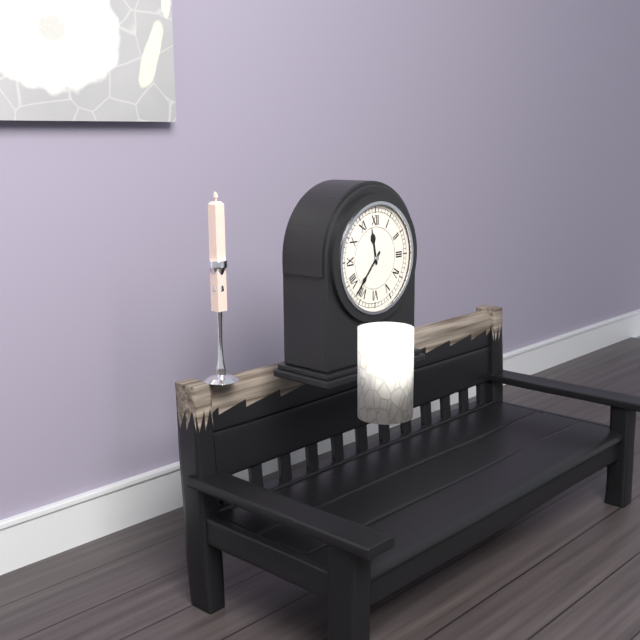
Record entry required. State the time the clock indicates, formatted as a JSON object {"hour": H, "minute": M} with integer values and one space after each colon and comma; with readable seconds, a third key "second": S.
{"hour": 11, "minute": 37}
